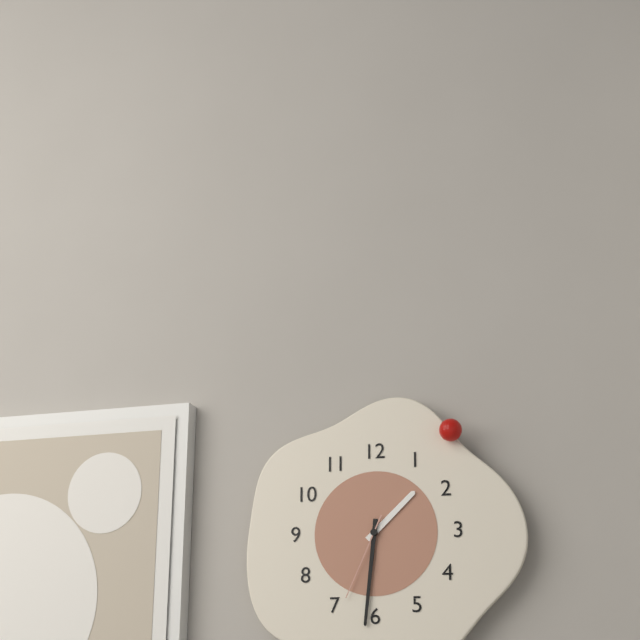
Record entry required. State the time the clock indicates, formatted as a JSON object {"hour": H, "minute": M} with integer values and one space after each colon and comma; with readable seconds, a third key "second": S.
{"hour": 1, "minute": 31, "second": 34}
